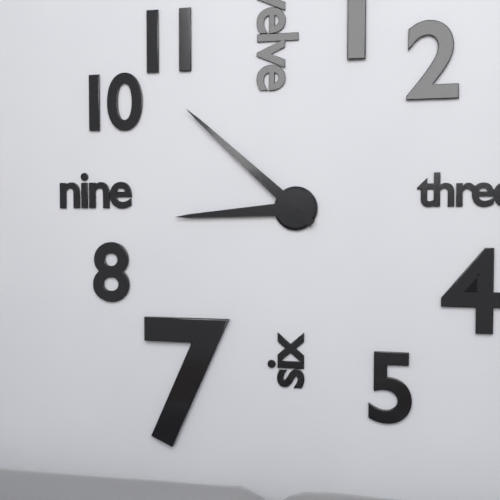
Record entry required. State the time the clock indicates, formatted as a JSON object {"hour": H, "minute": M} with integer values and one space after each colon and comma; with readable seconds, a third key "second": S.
{"hour": 8, "minute": 52}
